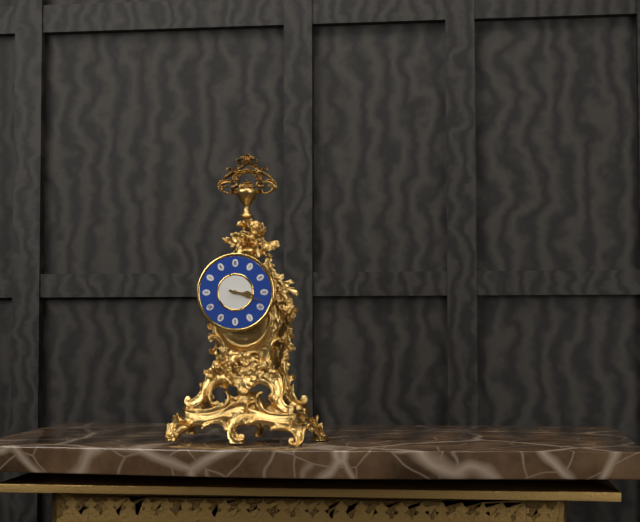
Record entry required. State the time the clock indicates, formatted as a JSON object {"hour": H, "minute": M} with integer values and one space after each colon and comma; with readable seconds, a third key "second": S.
{"hour": 3, "minute": 18}
